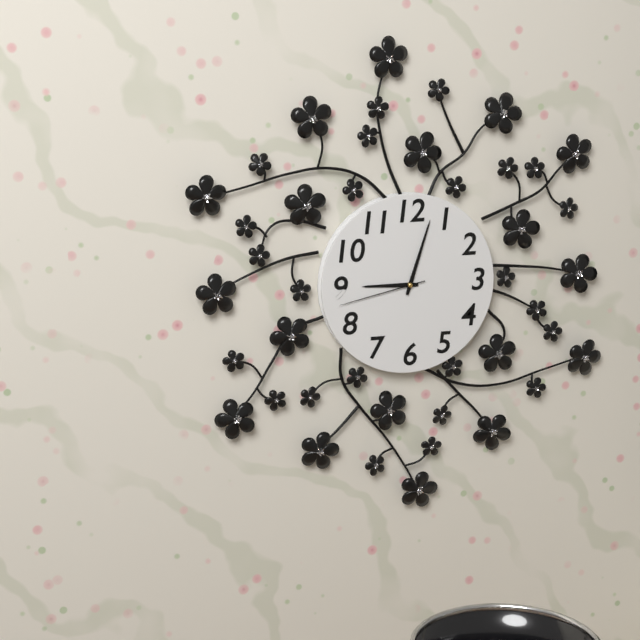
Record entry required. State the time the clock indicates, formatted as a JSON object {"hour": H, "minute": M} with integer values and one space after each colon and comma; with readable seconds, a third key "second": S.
{"hour": 9, "minute": 3, "second": 43}
